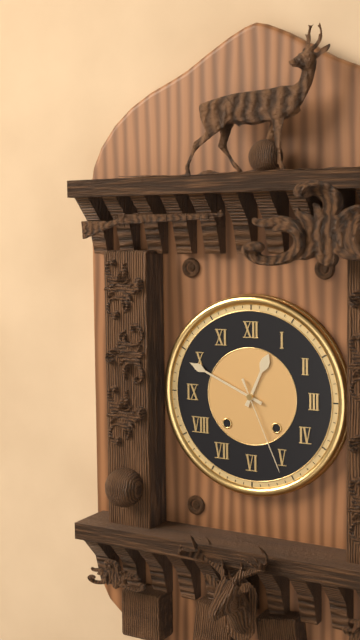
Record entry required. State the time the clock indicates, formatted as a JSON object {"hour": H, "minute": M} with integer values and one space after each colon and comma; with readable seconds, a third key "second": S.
{"hour": 12, "minute": 49, "second": 26}
